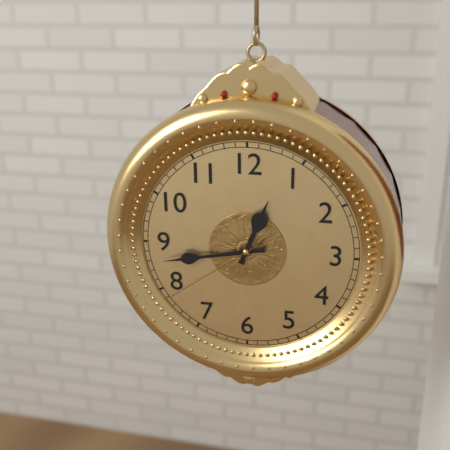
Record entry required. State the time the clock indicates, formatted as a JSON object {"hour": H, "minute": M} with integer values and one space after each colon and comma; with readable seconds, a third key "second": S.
{"hour": 12, "minute": 43, "second": 39}
